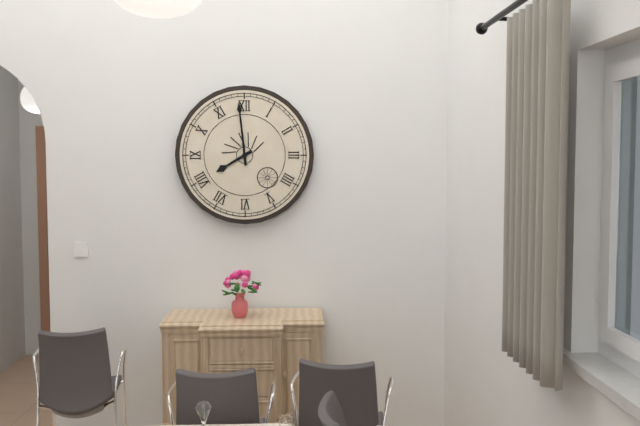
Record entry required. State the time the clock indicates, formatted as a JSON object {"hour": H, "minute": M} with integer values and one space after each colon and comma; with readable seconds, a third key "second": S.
{"hour": 7, "minute": 59}
